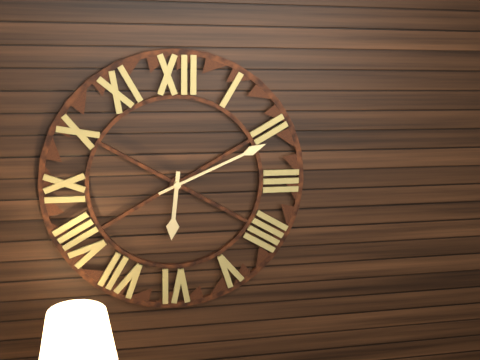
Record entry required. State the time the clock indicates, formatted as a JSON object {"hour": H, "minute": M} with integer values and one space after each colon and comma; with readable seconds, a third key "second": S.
{"hour": 6, "minute": 11}
